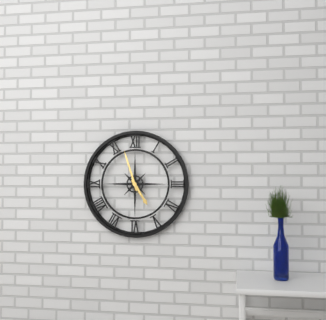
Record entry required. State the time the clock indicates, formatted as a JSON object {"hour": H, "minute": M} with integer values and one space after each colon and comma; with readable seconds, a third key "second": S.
{"hour": 4, "minute": 57}
